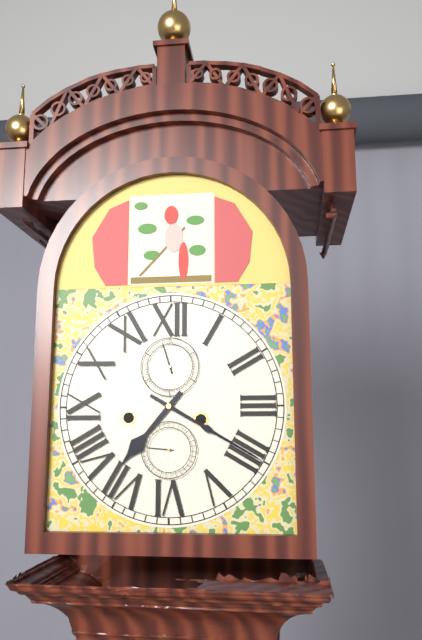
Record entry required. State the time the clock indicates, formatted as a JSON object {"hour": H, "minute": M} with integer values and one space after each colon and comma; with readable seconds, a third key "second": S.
{"hour": 7, "minute": 20}
